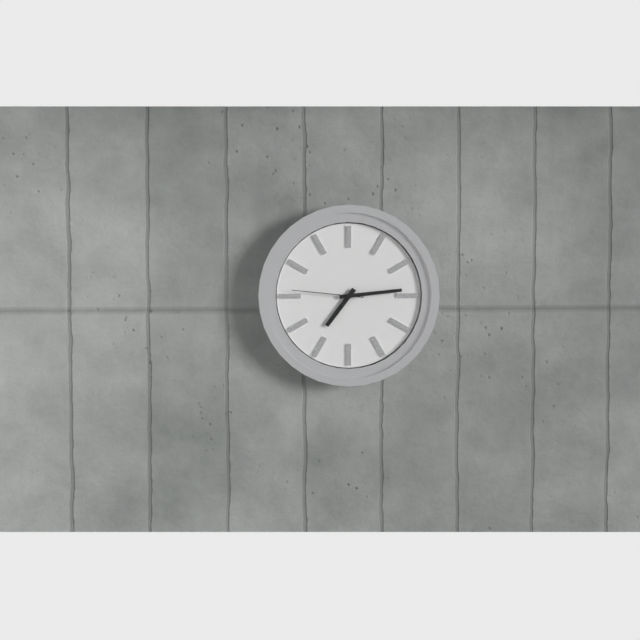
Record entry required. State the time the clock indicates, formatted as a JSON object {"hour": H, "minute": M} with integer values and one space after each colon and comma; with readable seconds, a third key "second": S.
{"hour": 7, "minute": 14, "second": 46}
